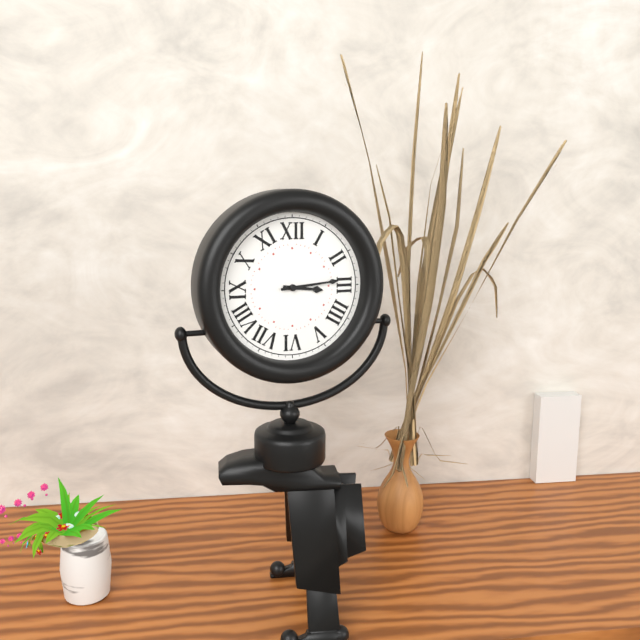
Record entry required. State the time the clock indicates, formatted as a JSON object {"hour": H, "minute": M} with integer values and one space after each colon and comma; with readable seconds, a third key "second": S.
{"hour": 3, "minute": 14}
